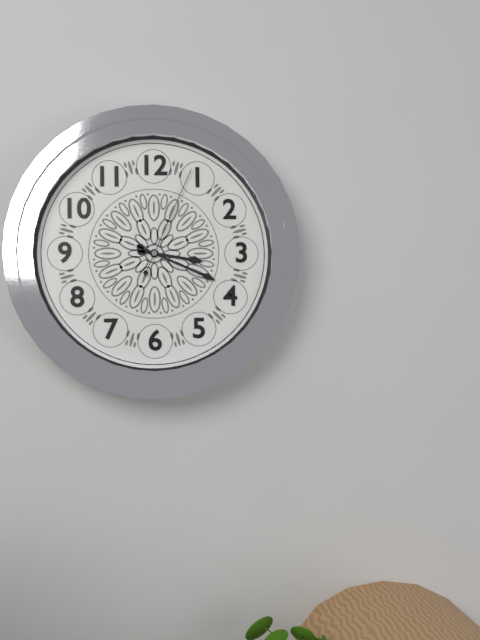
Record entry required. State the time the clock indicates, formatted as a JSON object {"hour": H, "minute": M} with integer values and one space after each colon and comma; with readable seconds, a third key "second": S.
{"hour": 3, "minute": 19, "second": 4}
